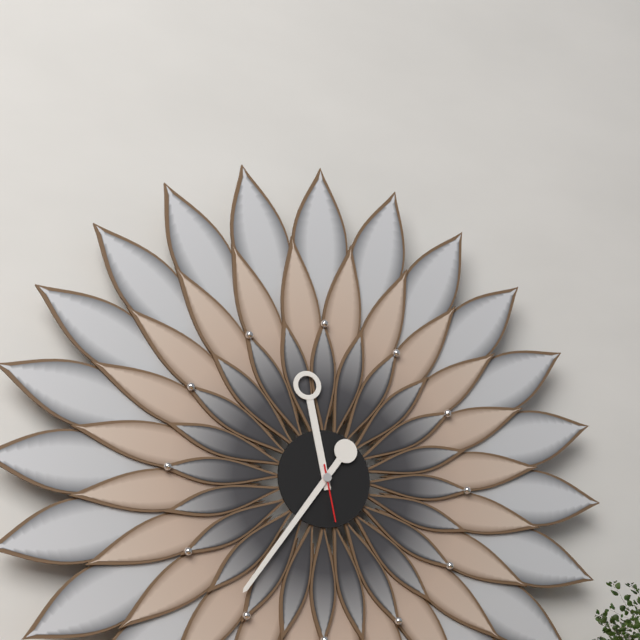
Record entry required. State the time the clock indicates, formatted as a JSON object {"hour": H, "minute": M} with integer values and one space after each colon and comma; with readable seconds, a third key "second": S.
{"hour": 11, "minute": 36, "second": 28}
